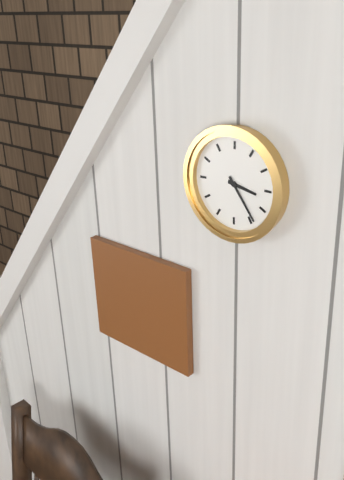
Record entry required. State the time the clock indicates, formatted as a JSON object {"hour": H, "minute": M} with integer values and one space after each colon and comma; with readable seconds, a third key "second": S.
{"hour": 3, "minute": 24}
